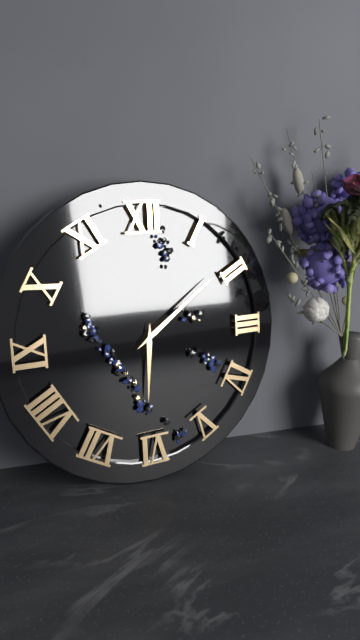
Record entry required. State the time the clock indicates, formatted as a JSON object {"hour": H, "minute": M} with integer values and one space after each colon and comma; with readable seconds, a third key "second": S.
{"hour": 6, "minute": 9}
